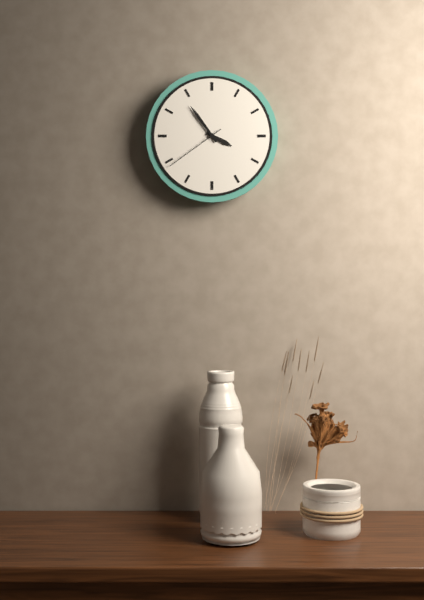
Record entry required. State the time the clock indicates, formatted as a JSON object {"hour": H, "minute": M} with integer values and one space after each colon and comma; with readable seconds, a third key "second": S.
{"hour": 3, "minute": 54, "second": 39}
